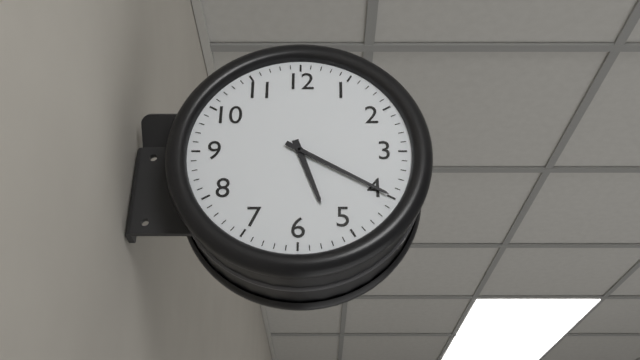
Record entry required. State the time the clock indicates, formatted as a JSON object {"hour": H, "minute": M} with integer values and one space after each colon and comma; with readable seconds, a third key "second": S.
{"hour": 5, "minute": 20}
